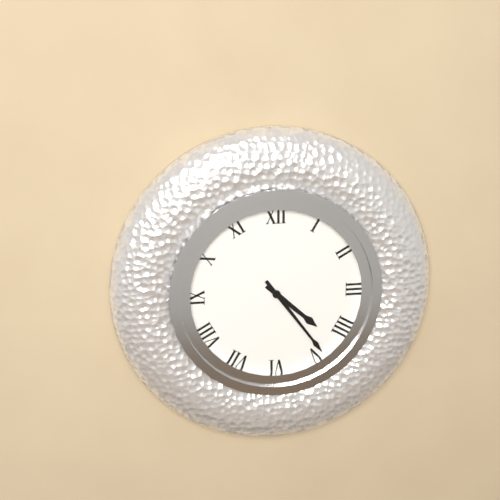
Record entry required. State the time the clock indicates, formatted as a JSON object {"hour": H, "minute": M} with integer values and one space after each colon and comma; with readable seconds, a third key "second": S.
{"hour": 4, "minute": 24}
